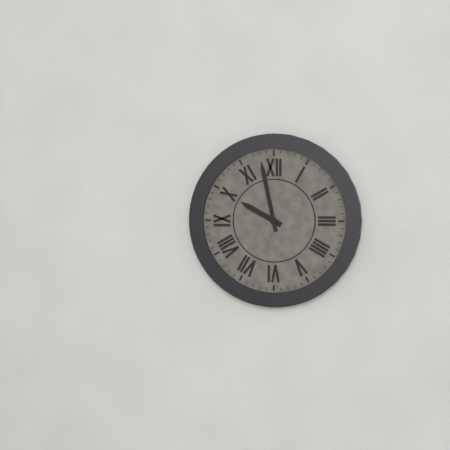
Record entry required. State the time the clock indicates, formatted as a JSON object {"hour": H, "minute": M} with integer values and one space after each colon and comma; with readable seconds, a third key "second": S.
{"hour": 9, "minute": 58}
